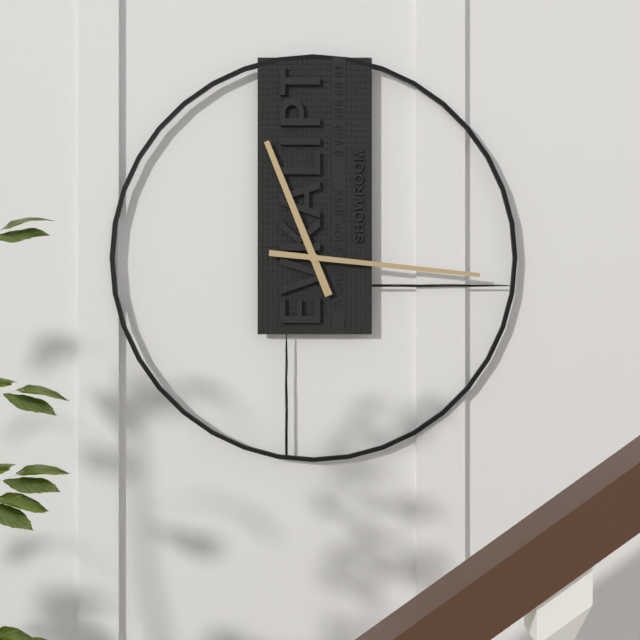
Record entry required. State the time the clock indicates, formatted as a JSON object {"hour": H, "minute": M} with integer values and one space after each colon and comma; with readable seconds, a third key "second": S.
{"hour": 11, "minute": 16}
